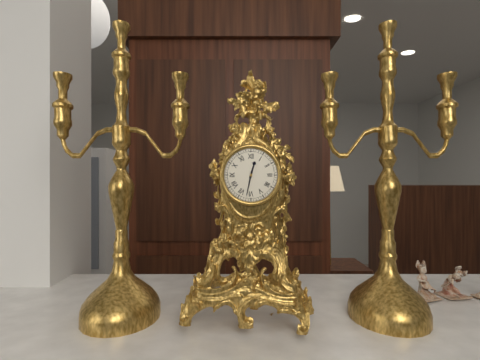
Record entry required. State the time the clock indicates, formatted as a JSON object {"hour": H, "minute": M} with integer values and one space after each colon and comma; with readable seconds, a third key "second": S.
{"hour": 12, "minute": 32}
